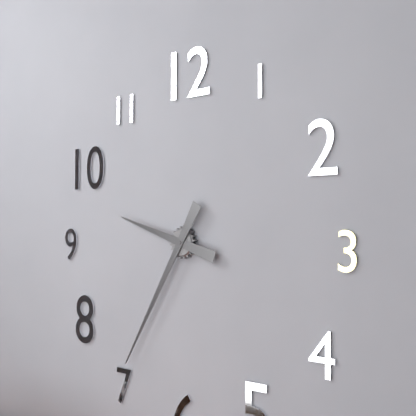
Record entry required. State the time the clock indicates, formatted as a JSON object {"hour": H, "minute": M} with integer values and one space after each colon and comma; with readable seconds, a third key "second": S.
{"hour": 9, "minute": 35}
